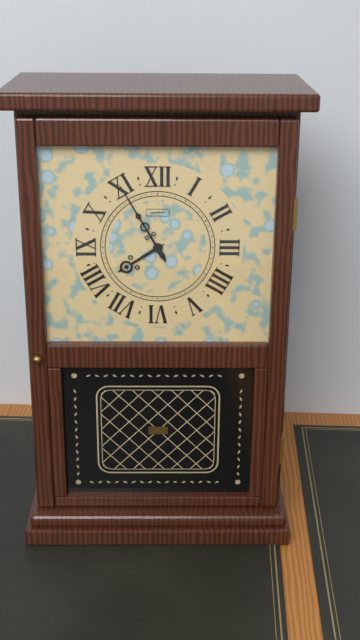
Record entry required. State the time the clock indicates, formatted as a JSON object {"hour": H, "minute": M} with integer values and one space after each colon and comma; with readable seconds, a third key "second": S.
{"hour": 7, "minute": 55}
